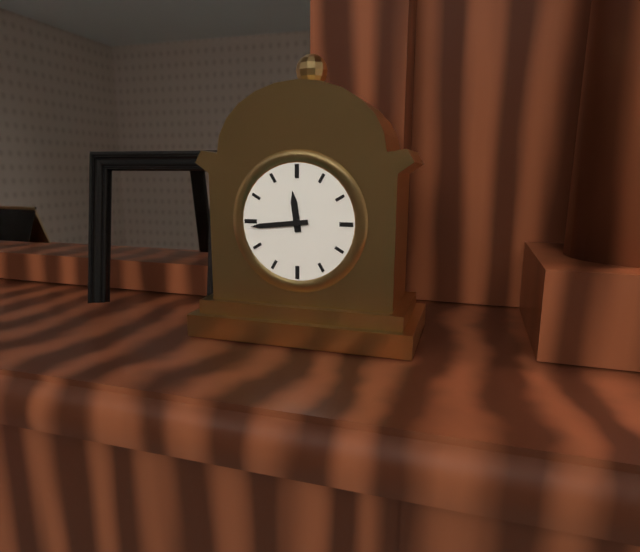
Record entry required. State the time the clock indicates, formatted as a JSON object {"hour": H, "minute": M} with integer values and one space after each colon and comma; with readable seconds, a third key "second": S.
{"hour": 11, "minute": 44}
